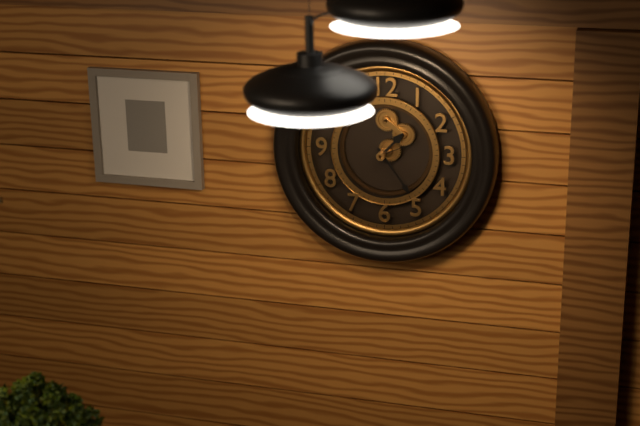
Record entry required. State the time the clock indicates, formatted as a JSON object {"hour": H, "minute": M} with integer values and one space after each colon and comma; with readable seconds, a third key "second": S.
{"hour": 1, "minute": 24, "second": 11}
